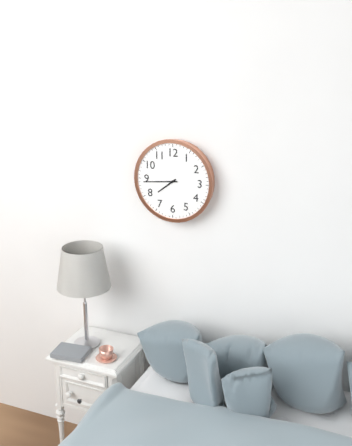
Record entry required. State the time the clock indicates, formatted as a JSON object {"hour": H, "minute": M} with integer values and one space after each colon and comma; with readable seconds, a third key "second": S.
{"hour": 7, "minute": 44}
